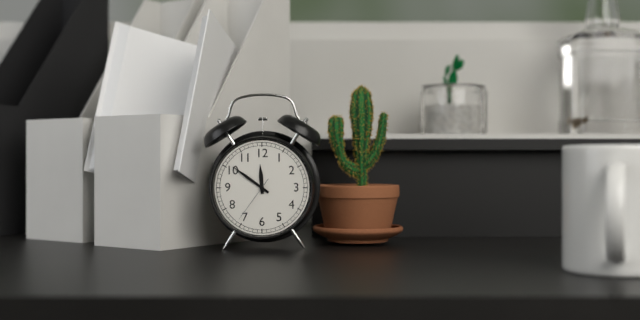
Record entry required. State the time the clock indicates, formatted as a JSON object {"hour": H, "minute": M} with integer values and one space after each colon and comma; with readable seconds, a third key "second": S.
{"hour": 11, "minute": 51}
